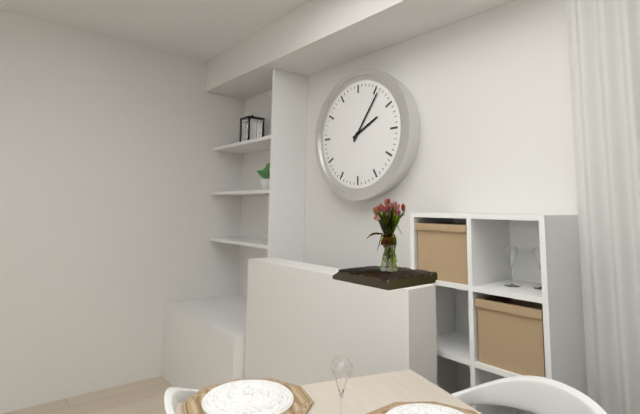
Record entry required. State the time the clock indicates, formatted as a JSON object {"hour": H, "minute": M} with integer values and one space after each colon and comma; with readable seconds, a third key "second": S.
{"hour": 2, "minute": 6}
